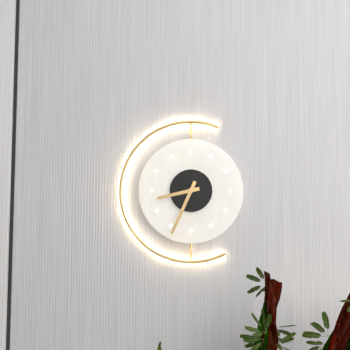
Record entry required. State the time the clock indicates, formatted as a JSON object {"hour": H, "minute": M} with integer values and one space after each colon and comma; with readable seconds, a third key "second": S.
{"hour": 8, "minute": 34}
